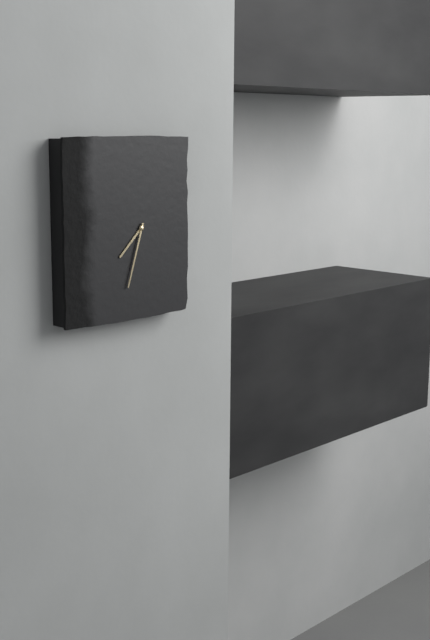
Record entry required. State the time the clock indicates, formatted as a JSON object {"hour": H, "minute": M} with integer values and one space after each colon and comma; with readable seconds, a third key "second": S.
{"hour": 7, "minute": 33}
